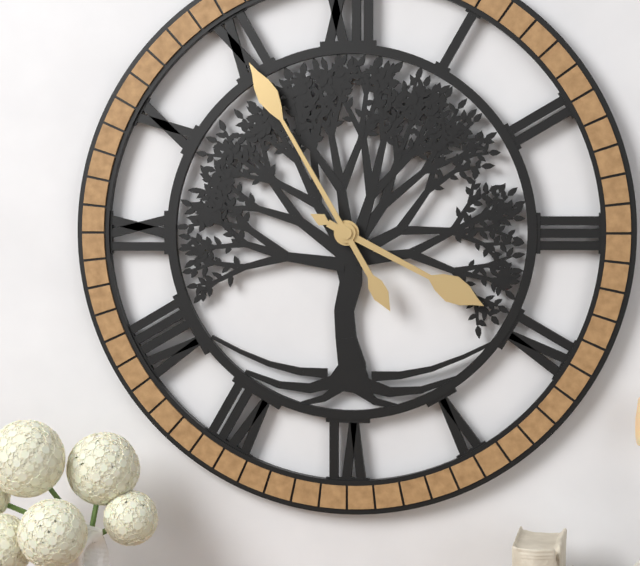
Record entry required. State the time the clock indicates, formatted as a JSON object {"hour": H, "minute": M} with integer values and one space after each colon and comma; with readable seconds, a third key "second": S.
{"hour": 3, "minute": 55}
